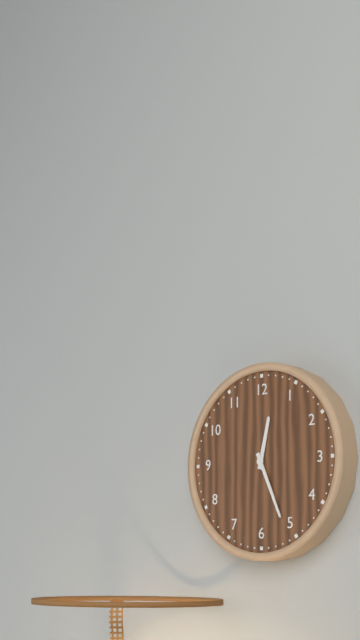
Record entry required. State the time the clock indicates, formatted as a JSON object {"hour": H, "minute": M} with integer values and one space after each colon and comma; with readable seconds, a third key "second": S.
{"hour": 12, "minute": 26}
